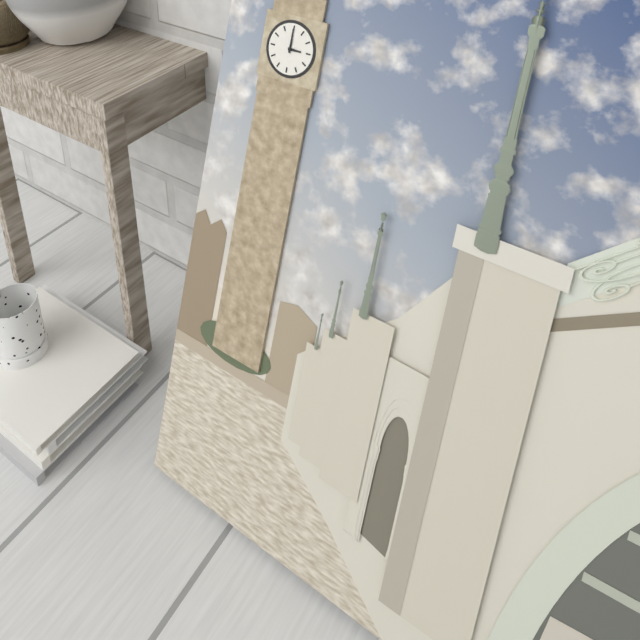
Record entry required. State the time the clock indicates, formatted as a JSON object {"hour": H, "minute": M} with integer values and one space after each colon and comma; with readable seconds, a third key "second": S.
{"hour": 3, "minute": 0}
